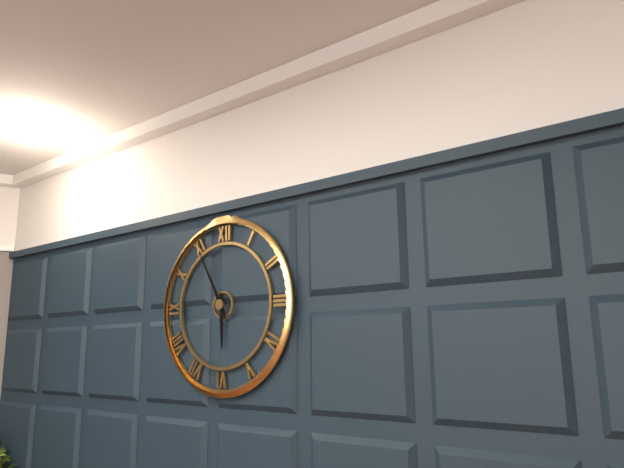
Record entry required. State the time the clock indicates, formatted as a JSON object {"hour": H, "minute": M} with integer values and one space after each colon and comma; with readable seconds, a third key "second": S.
{"hour": 5, "minute": 55}
